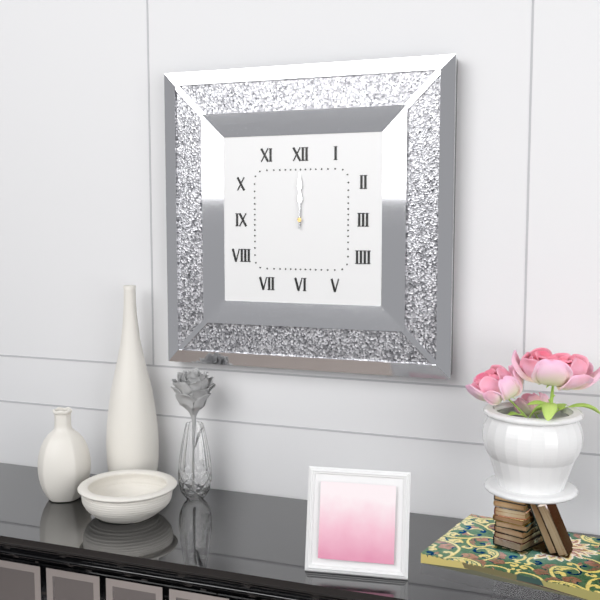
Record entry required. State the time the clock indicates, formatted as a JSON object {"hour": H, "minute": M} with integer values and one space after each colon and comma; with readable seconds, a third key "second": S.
{"hour": 12, "minute": 0}
